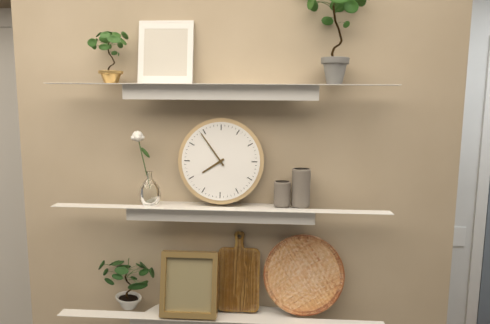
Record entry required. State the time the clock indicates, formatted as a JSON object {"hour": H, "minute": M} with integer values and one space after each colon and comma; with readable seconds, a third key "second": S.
{"hour": 7, "minute": 54}
